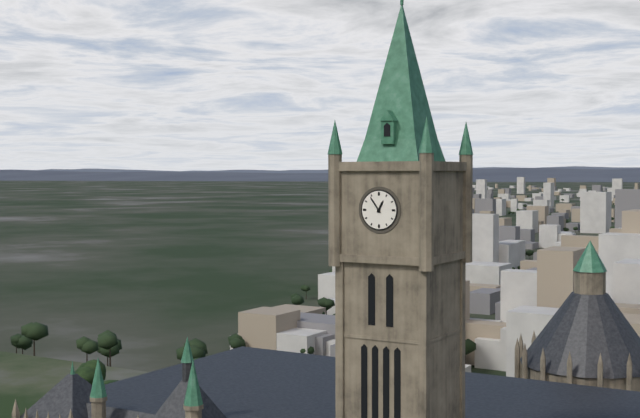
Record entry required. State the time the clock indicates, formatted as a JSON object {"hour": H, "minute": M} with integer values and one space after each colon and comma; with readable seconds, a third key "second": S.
{"hour": 12, "minute": 54}
